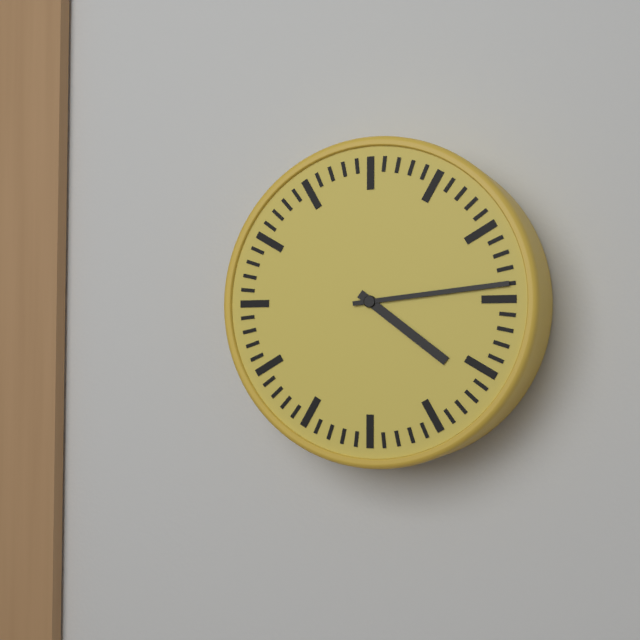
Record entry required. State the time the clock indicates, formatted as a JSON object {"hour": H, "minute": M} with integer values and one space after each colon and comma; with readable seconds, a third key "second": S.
{"hour": 4, "minute": 14}
